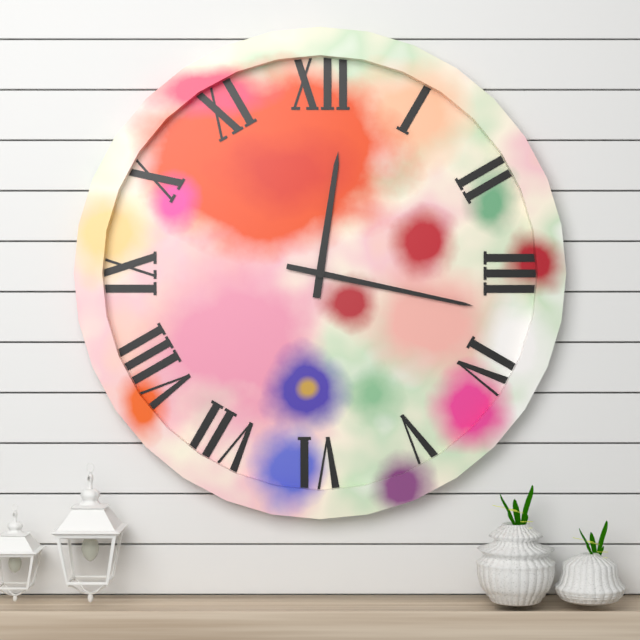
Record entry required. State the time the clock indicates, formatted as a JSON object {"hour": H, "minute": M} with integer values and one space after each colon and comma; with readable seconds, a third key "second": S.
{"hour": 12, "minute": 17}
